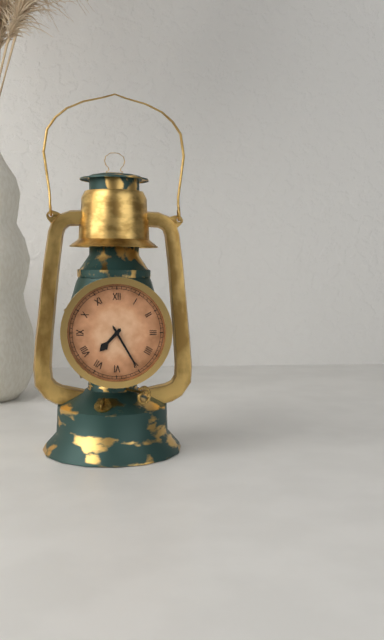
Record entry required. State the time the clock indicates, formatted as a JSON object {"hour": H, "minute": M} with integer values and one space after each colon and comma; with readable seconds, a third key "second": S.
{"hour": 7, "minute": 25}
